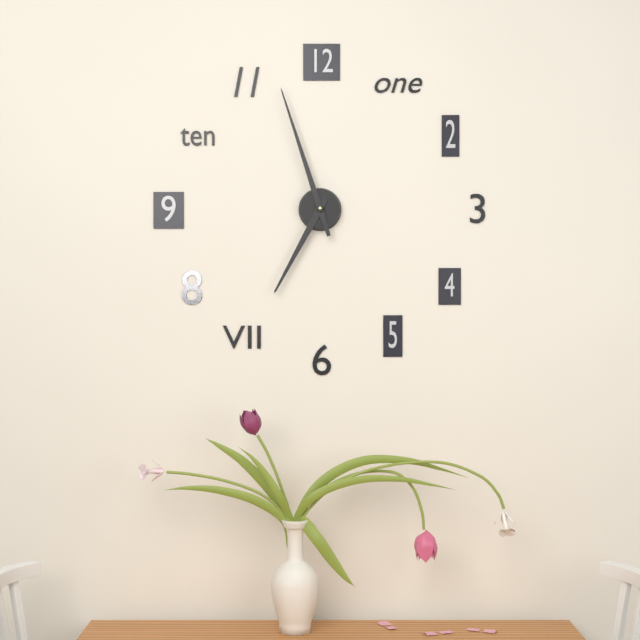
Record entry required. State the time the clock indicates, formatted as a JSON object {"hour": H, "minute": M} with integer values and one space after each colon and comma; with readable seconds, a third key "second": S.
{"hour": 6, "minute": 57}
